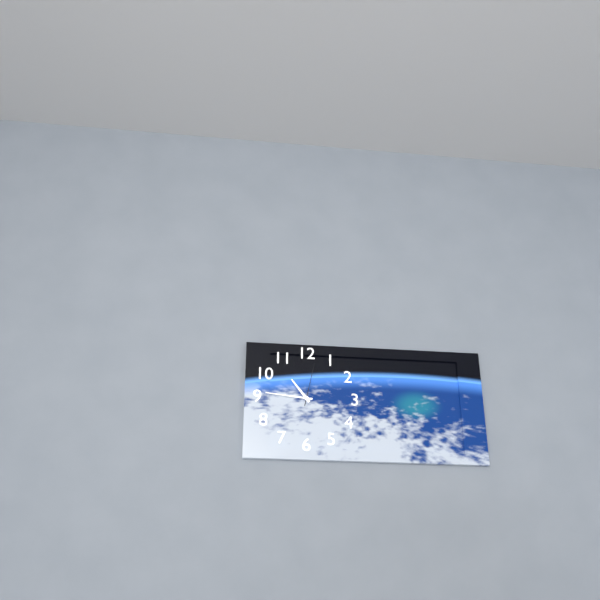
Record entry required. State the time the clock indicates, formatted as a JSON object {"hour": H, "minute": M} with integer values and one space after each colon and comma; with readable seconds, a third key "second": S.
{"hour": 10, "minute": 46}
